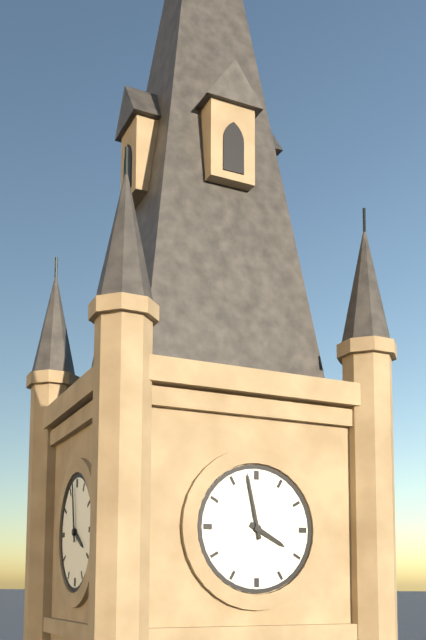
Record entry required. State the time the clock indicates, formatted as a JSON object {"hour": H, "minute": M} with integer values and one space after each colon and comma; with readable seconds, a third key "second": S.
{"hour": 3, "minute": 58}
